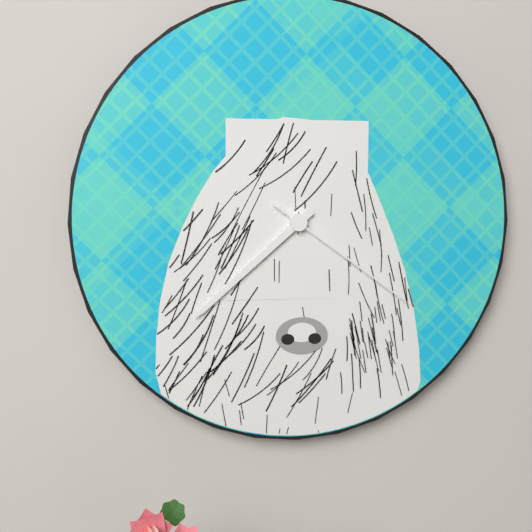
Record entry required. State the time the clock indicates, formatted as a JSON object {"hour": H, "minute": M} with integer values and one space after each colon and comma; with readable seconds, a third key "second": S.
{"hour": 7, "minute": 38, "second": 21}
